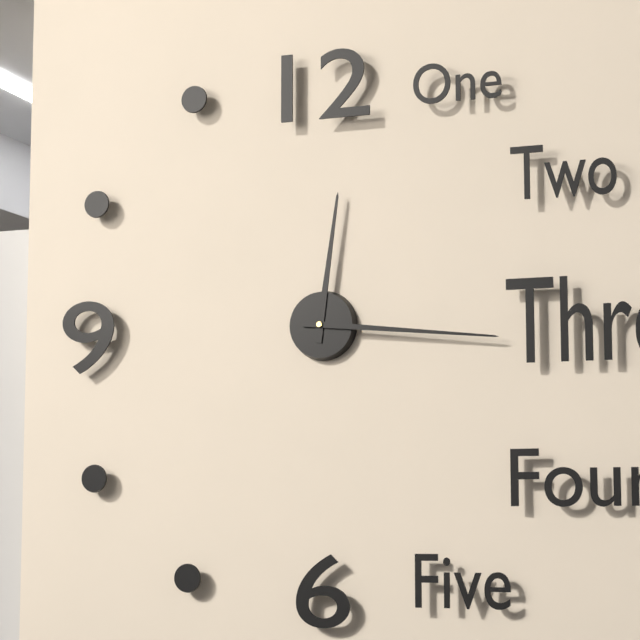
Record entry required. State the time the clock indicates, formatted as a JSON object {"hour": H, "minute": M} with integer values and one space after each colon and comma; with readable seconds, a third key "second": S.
{"hour": 12, "minute": 16}
